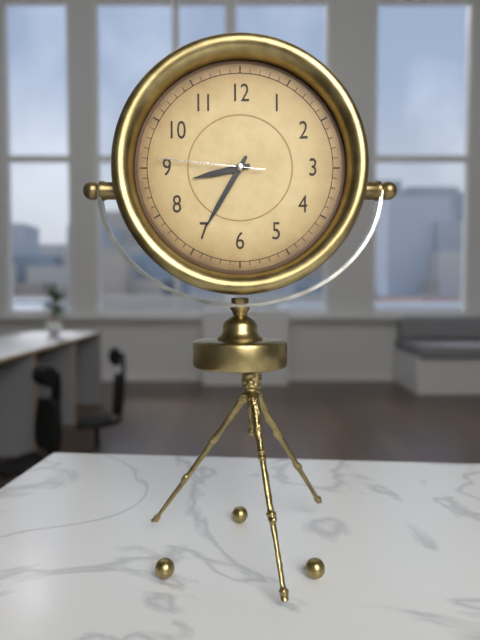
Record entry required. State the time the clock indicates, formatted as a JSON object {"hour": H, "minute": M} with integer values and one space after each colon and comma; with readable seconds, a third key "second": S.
{"hour": 8, "minute": 35, "second": 46}
